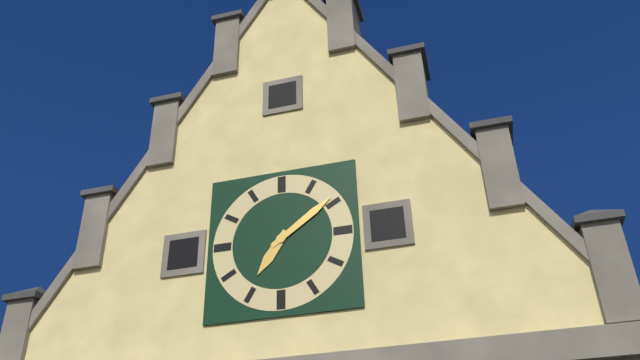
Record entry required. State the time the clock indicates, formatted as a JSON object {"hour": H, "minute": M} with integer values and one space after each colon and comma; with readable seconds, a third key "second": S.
{"hour": 7, "minute": 9}
